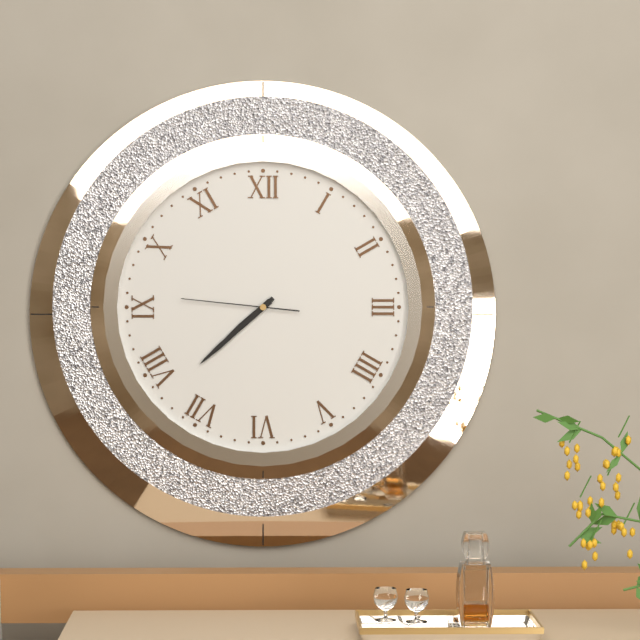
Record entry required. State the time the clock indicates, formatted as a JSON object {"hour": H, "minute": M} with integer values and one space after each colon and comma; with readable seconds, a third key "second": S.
{"hour": 7, "minute": 38, "second": 46}
